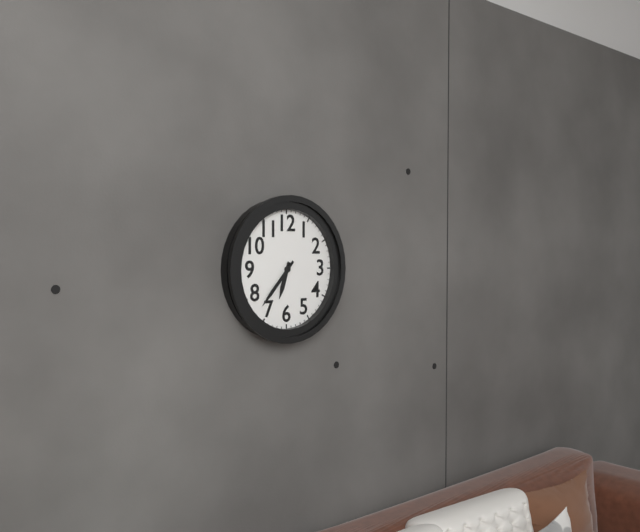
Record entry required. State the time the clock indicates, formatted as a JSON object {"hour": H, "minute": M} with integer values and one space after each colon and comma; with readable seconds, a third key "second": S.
{"hour": 6, "minute": 37}
